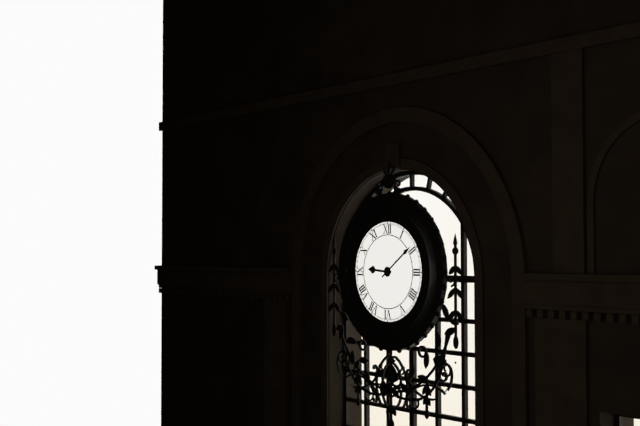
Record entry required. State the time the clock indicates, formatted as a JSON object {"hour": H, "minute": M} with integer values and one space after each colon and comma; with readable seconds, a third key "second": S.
{"hour": 9, "minute": 9}
